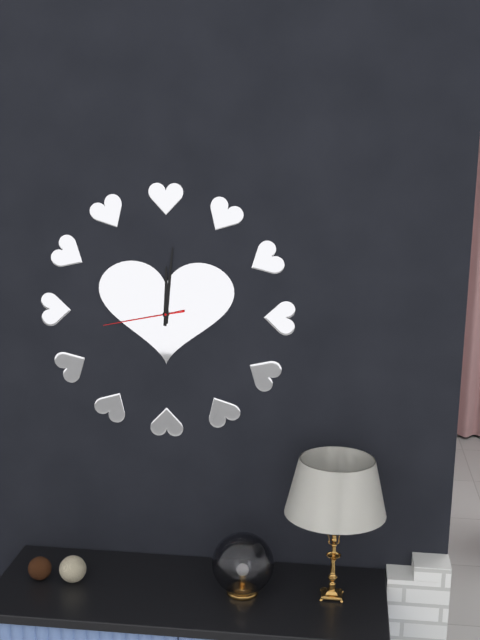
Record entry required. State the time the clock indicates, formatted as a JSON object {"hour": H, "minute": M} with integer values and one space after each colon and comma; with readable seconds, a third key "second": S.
{"hour": 12, "minute": 1, "second": 43}
